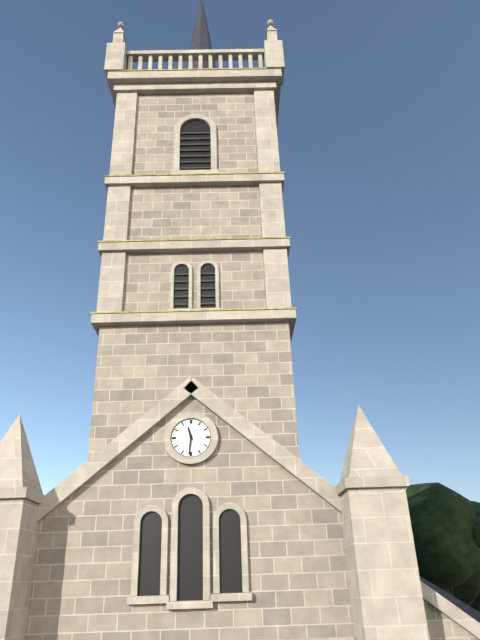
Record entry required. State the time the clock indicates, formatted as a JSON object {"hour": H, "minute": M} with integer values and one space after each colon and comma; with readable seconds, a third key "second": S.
{"hour": 11, "minute": 31}
